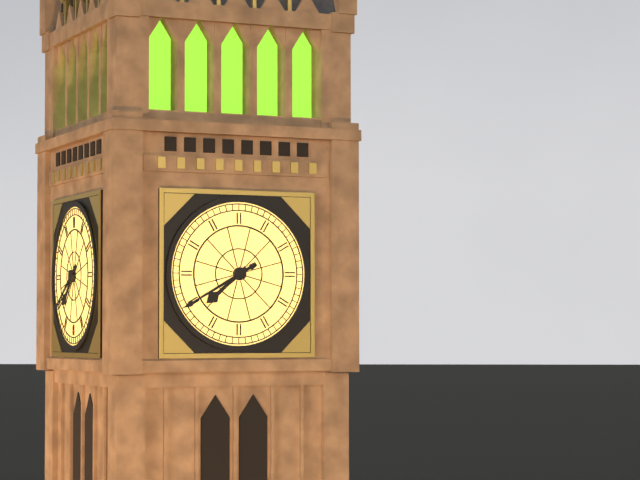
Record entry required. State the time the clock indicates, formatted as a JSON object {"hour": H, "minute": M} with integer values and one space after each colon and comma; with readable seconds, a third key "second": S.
{"hour": 7, "minute": 40}
